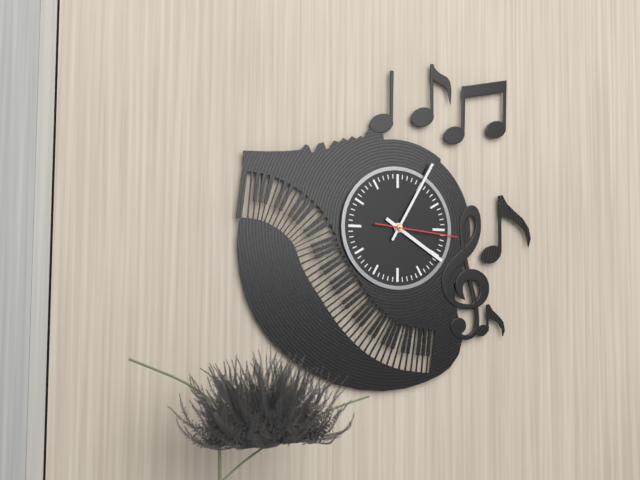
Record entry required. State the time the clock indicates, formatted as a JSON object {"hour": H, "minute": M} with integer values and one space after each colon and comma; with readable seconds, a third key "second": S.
{"hour": 4, "minute": 5, "second": 16}
